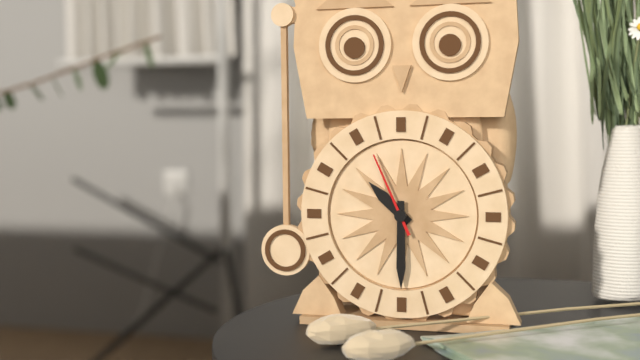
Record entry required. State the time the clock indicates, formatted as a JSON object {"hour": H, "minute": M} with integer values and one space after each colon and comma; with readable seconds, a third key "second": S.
{"hour": 10, "minute": 30, "second": 56}
